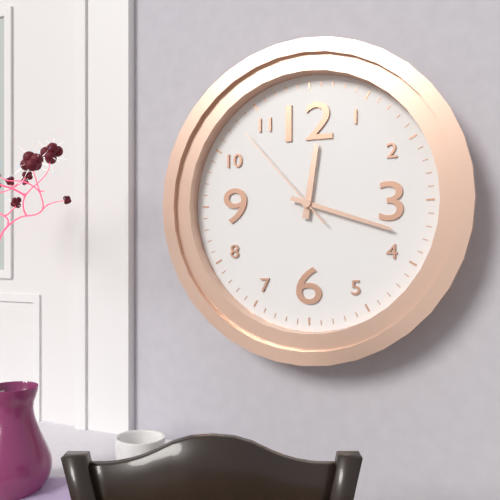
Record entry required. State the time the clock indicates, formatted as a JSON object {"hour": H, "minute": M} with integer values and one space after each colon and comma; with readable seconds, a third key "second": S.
{"hour": 12, "minute": 18, "second": 53}
